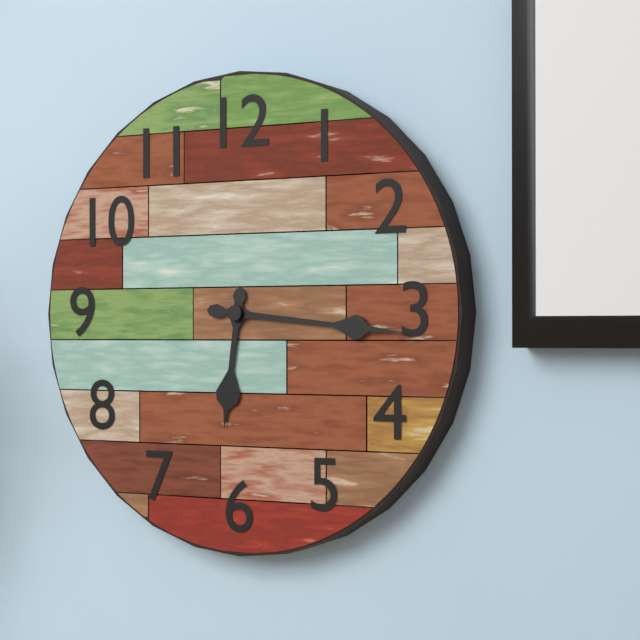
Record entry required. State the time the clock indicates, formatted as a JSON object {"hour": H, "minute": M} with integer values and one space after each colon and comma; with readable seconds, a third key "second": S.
{"hour": 6, "minute": 16}
